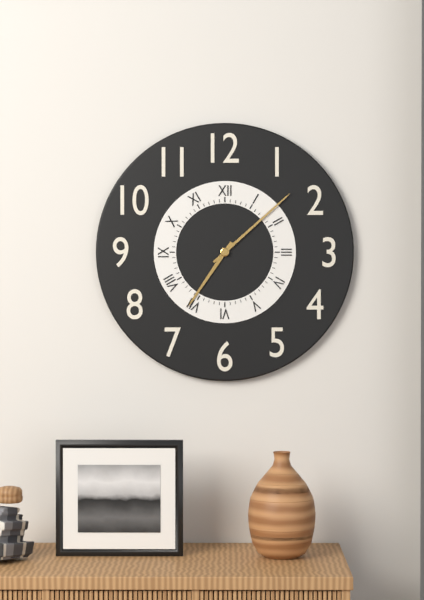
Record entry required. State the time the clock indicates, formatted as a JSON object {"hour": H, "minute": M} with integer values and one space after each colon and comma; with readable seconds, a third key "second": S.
{"hour": 7, "minute": 8}
